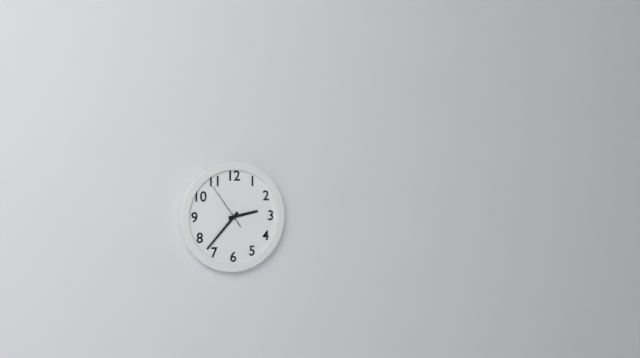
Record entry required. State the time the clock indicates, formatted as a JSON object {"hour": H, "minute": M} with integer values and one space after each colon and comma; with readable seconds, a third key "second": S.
{"hour": 2, "minute": 37}
